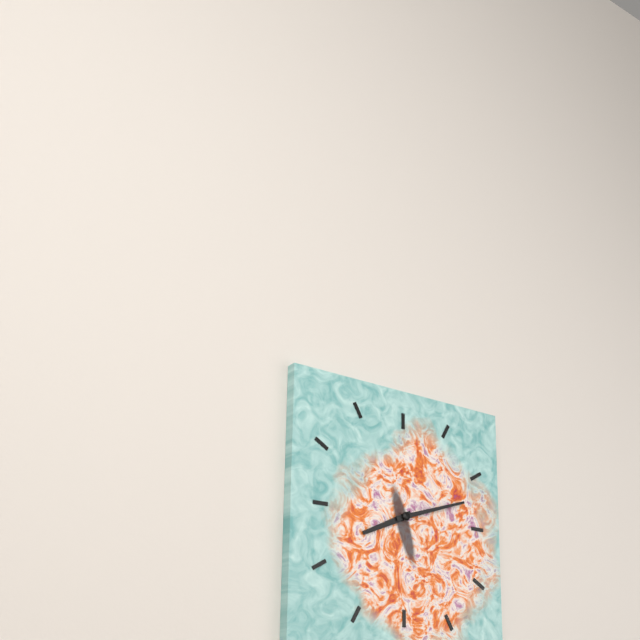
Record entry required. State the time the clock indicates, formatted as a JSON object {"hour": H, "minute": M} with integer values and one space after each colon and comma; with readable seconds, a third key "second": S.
{"hour": 8, "minute": 12}
